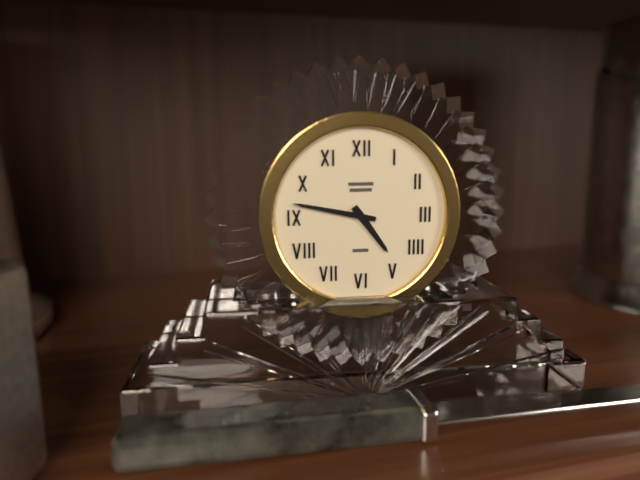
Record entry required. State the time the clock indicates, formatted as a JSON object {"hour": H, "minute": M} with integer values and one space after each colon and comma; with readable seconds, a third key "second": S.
{"hour": 4, "minute": 47}
